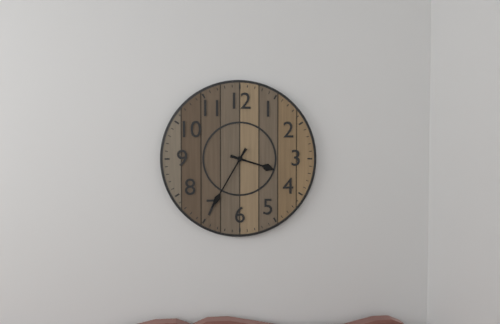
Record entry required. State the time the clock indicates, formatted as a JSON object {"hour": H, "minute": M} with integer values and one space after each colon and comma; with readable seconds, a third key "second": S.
{"hour": 3, "minute": 35}
